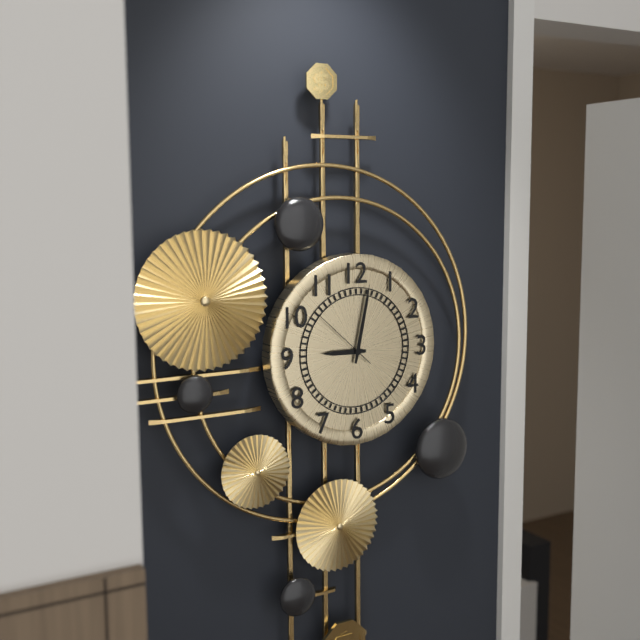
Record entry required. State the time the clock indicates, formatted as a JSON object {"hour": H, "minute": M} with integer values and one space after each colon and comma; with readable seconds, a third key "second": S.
{"hour": 9, "minute": 2, "second": 52}
